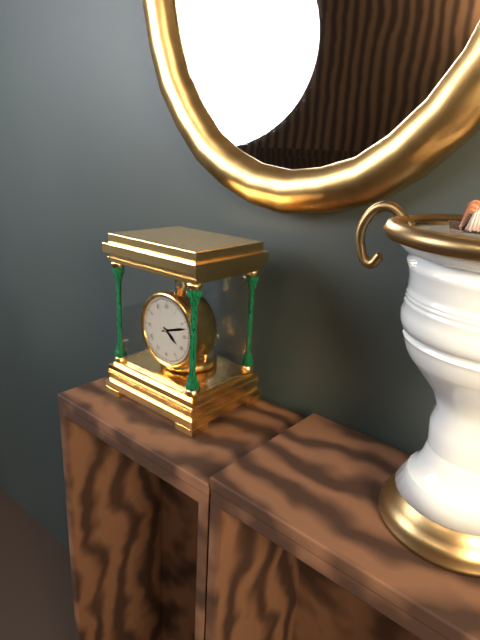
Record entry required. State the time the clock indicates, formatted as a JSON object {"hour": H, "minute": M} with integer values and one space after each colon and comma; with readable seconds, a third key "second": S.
{"hour": 4, "minute": 12}
